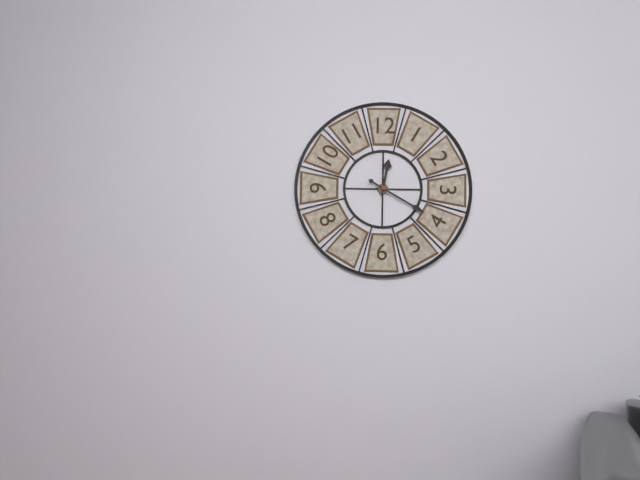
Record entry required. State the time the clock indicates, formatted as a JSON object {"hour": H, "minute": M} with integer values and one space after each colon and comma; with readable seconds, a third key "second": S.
{"hour": 12, "minute": 20}
